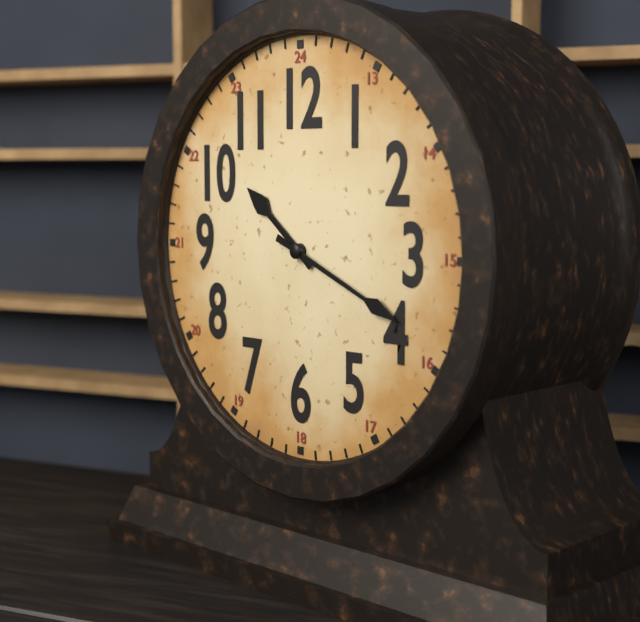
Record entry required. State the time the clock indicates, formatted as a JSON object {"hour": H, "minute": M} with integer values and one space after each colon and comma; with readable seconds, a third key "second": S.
{"hour": 10, "minute": 19}
